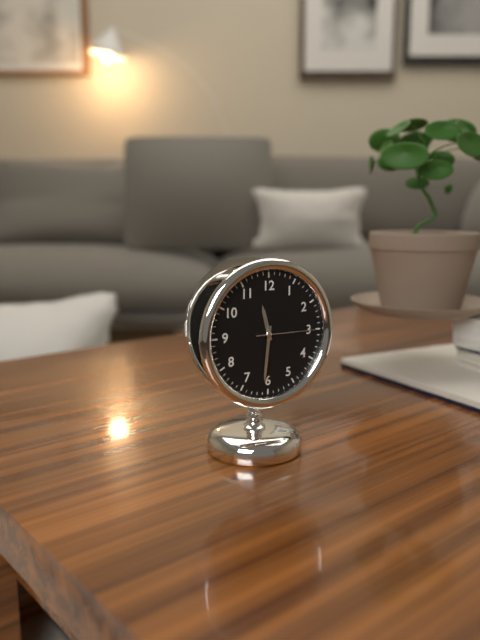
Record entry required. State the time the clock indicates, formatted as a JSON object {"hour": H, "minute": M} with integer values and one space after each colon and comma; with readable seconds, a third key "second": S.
{"hour": 11, "minute": 31, "second": 15}
